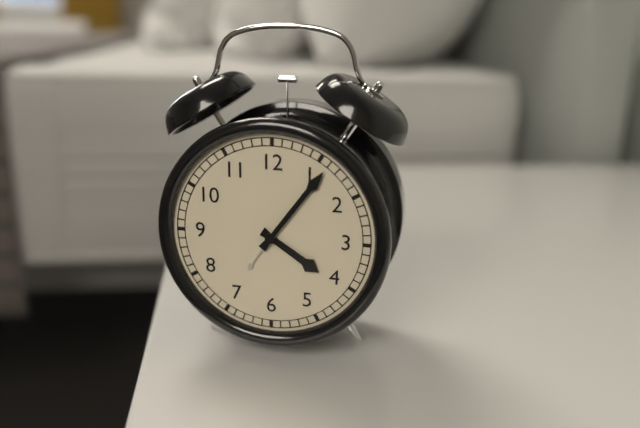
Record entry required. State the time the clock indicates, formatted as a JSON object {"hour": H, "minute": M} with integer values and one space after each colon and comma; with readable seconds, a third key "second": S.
{"hour": 4, "minute": 6}
